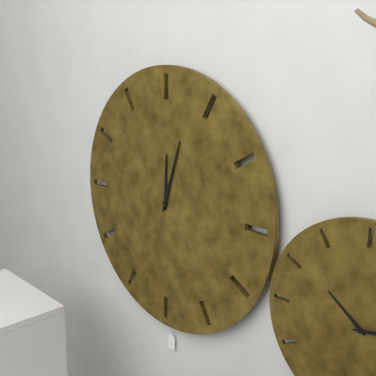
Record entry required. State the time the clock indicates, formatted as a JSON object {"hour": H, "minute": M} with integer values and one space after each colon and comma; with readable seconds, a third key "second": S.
{"hour": 12, "minute": 3}
